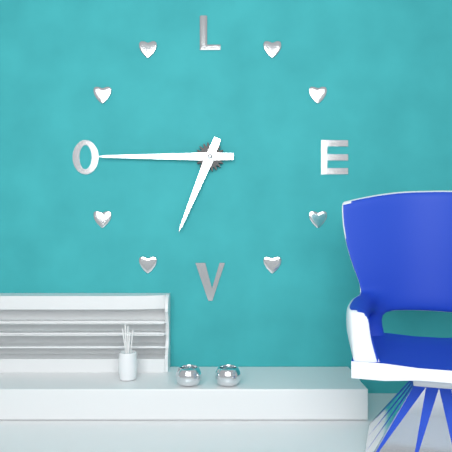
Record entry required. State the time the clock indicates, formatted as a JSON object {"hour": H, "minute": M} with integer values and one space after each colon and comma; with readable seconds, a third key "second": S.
{"hour": 6, "minute": 45}
